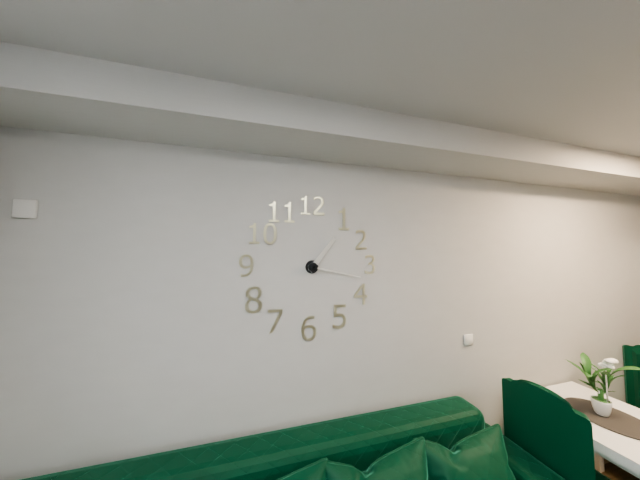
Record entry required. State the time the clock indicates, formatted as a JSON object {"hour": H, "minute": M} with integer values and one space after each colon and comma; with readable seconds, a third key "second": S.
{"hour": 1, "minute": 17}
